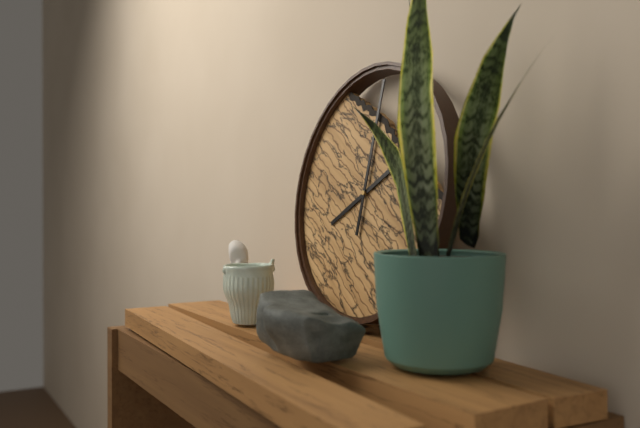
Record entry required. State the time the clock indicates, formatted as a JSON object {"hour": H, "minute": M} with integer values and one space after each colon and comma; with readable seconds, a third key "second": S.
{"hour": 8, "minute": 1}
